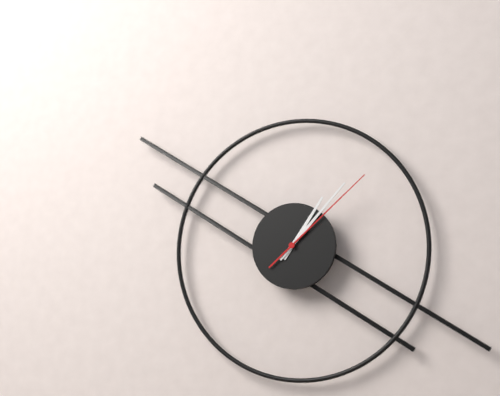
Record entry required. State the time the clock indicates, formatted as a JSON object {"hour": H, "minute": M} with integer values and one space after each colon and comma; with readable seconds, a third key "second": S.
{"hour": 1, "minute": 7, "second": 8}
